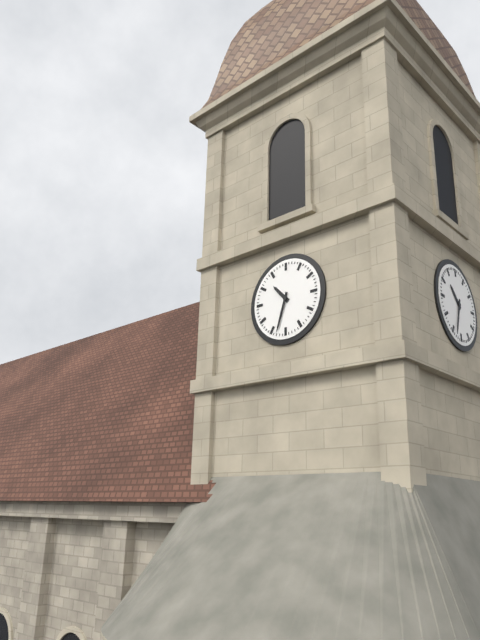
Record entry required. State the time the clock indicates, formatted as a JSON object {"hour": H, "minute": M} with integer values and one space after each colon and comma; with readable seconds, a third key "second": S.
{"hour": 10, "minute": 33}
